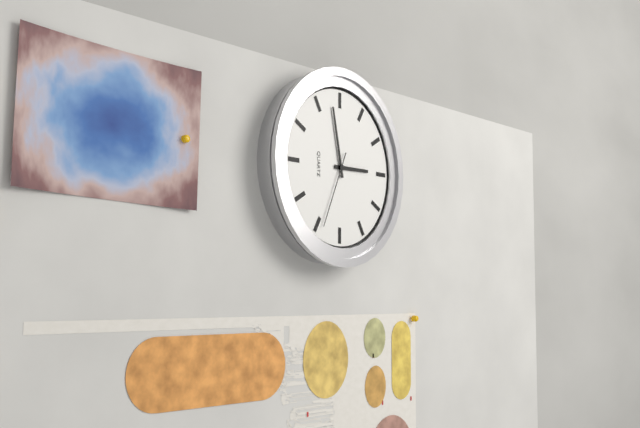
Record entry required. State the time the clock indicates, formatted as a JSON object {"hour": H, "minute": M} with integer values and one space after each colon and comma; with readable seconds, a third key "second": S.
{"hour": 2, "minute": 58, "second": 34}
